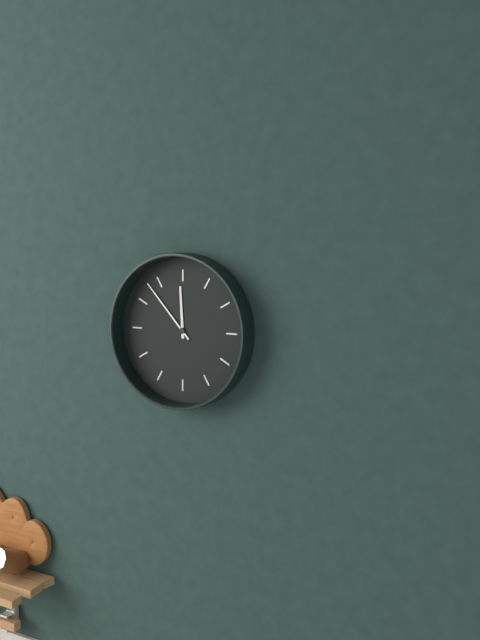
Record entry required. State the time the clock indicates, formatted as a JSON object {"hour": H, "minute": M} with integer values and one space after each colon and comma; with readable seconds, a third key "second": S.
{"hour": 11, "minute": 53}
